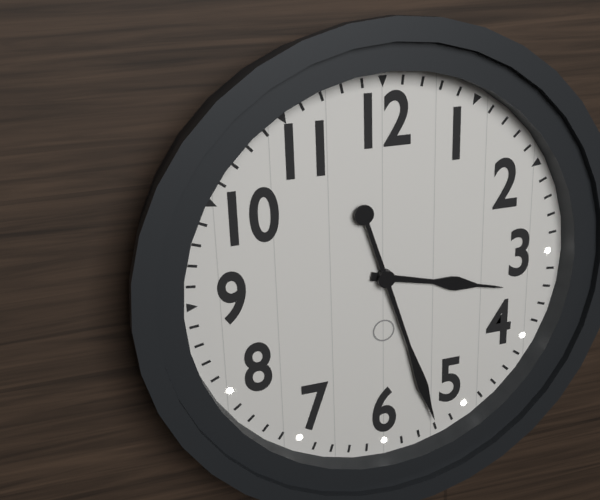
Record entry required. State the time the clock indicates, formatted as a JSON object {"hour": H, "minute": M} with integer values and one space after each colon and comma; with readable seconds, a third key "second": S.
{"hour": 3, "minute": 27}
